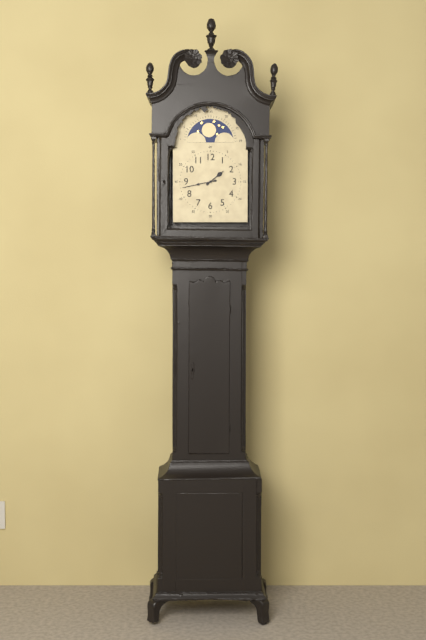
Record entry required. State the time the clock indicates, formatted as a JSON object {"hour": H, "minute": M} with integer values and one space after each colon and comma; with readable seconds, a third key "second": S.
{"hour": 1, "minute": 43}
